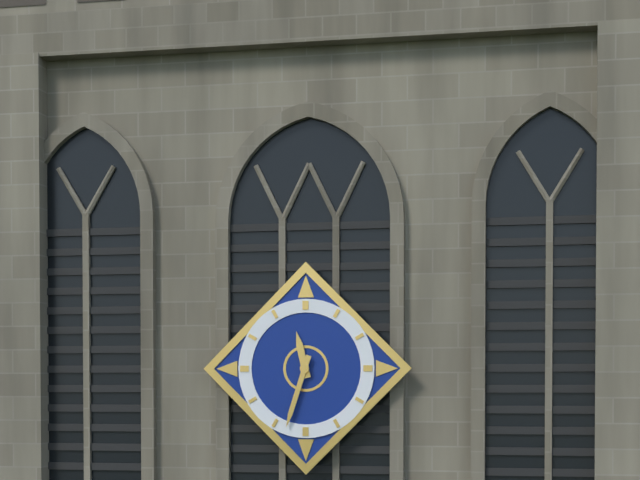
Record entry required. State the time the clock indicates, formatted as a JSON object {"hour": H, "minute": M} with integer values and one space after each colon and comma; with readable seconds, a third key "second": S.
{"hour": 11, "minute": 33}
